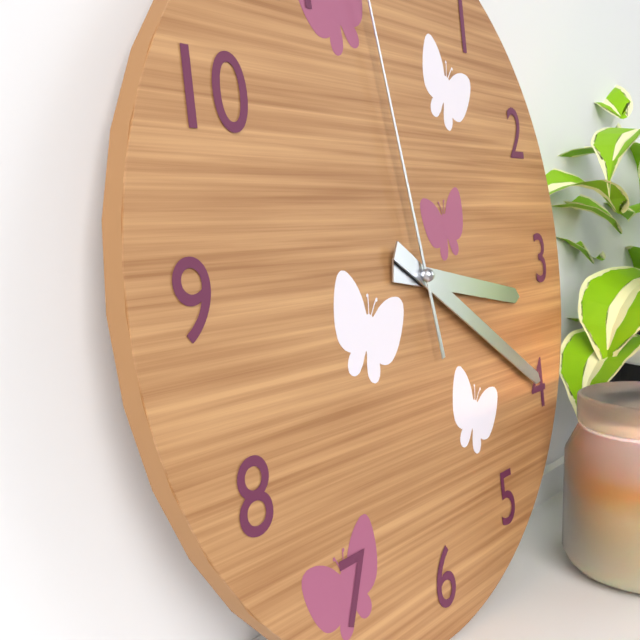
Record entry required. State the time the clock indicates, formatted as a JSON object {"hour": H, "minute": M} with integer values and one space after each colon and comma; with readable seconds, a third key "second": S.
{"hour": 3, "minute": 20}
